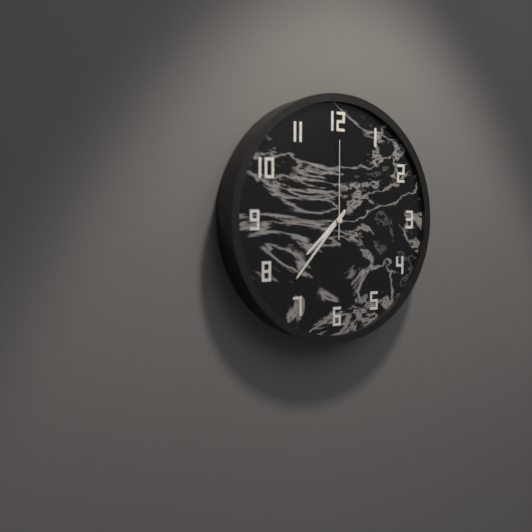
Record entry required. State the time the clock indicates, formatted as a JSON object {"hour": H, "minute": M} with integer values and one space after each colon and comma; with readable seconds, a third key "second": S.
{"hour": 7, "minute": 37, "second": 0}
